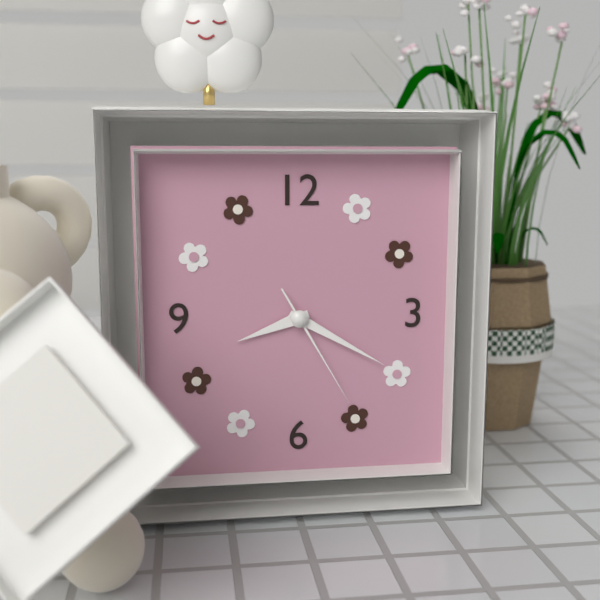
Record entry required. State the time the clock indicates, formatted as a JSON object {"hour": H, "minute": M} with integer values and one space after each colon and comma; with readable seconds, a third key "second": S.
{"hour": 8, "minute": 20, "second": 25}
